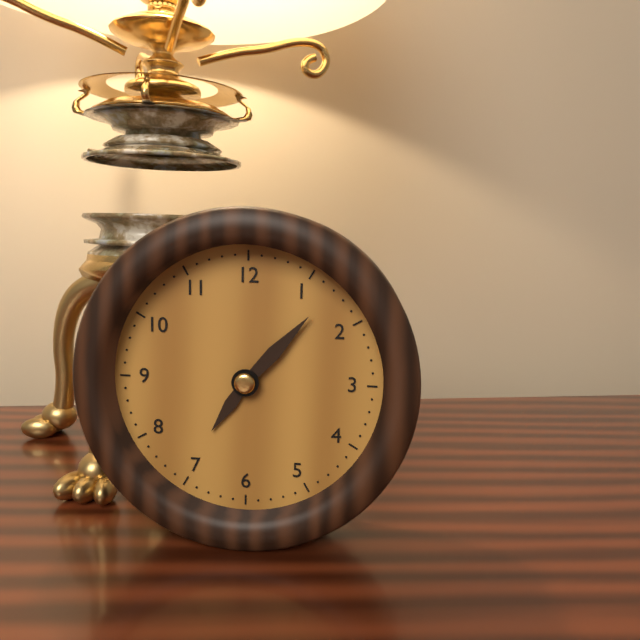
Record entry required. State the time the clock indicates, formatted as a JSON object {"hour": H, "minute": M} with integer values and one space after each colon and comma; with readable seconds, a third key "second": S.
{"hour": 7, "minute": 7}
